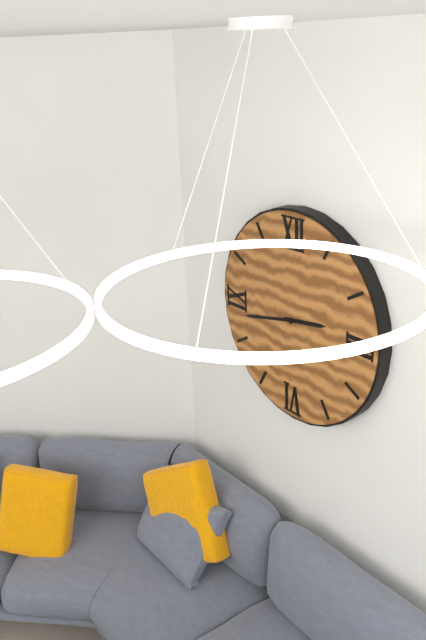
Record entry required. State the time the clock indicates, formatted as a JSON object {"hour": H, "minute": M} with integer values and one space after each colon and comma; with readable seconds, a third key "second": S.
{"hour": 2, "minute": 43}
